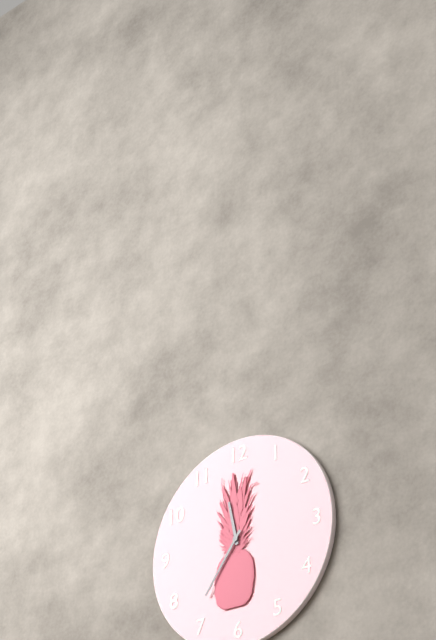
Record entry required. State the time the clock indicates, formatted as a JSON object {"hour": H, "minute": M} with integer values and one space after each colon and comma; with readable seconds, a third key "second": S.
{"hour": 11, "minute": 36}
